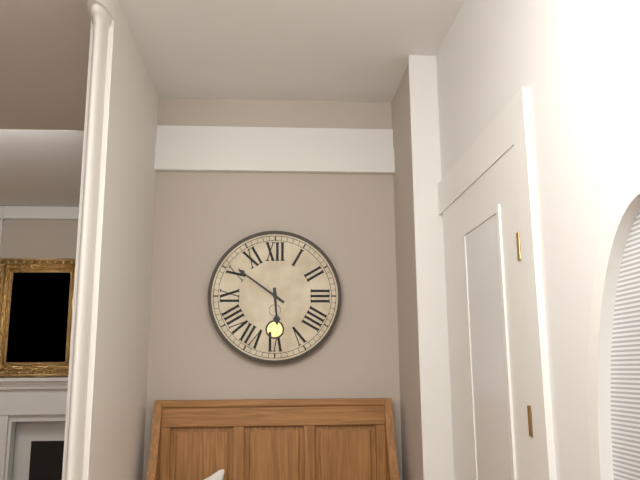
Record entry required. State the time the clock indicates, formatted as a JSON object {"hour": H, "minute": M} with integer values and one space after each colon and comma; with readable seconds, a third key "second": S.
{"hour": 5, "minute": 51}
